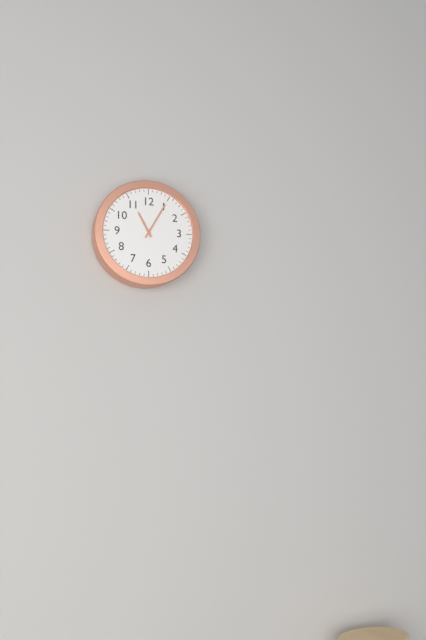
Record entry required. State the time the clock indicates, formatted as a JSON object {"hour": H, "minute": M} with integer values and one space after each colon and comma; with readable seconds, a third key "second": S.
{"hour": 11, "minute": 5}
